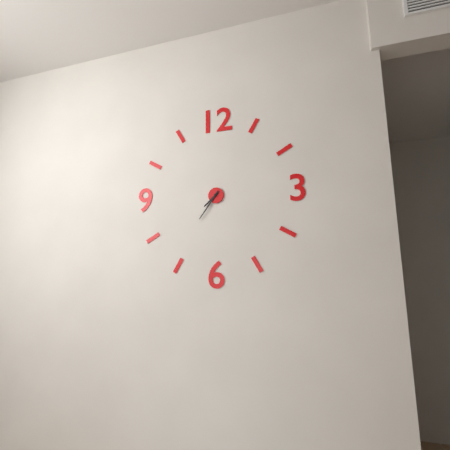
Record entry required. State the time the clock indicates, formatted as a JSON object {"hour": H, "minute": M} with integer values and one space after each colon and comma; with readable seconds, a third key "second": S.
{"hour": 7, "minute": 36}
